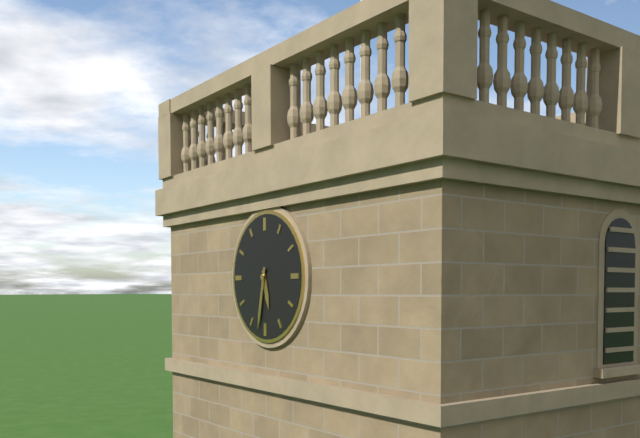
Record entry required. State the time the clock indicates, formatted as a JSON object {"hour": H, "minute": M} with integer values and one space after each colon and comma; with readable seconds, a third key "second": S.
{"hour": 5, "minute": 32}
